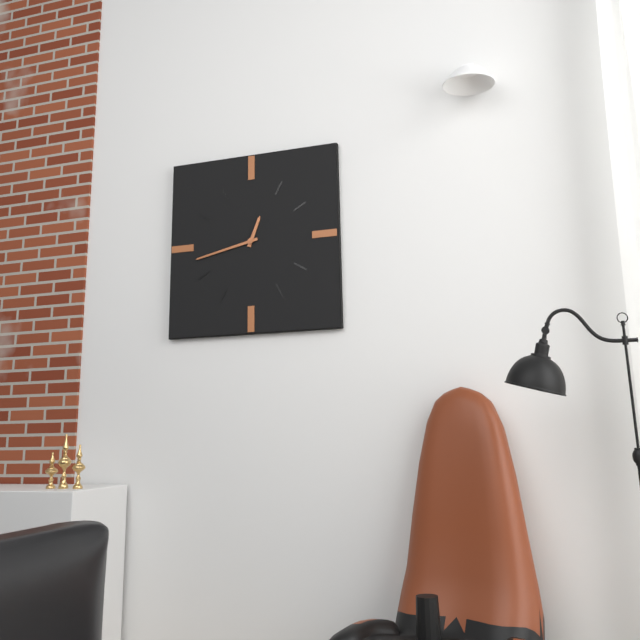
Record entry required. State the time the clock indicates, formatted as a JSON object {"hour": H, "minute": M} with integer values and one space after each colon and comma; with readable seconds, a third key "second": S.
{"hour": 12, "minute": 43}
